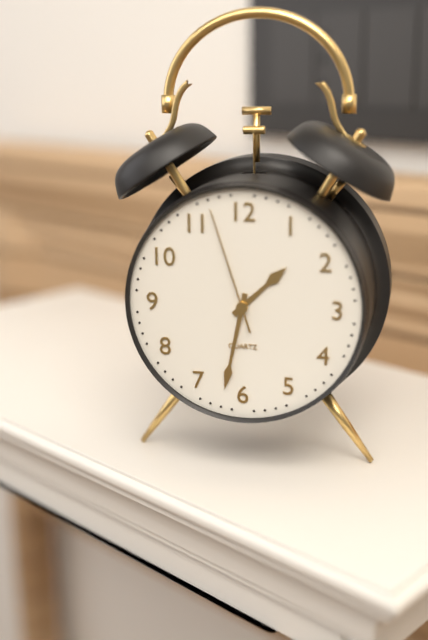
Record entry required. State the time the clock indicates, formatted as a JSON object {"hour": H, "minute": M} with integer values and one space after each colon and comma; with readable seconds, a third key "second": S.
{"hour": 1, "minute": 32, "second": 57}
